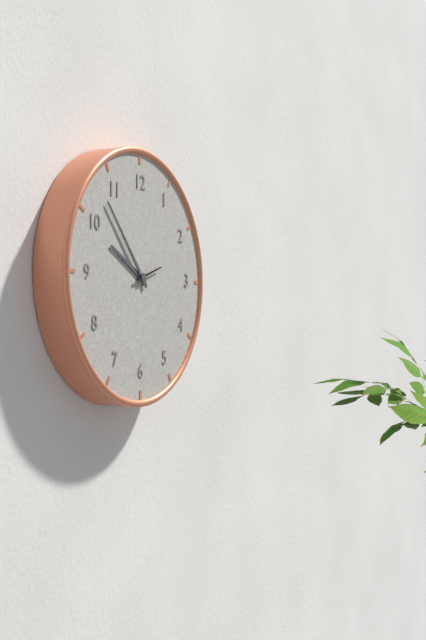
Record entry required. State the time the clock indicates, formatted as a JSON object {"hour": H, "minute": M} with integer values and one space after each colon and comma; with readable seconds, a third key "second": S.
{"hour": 9, "minute": 53}
